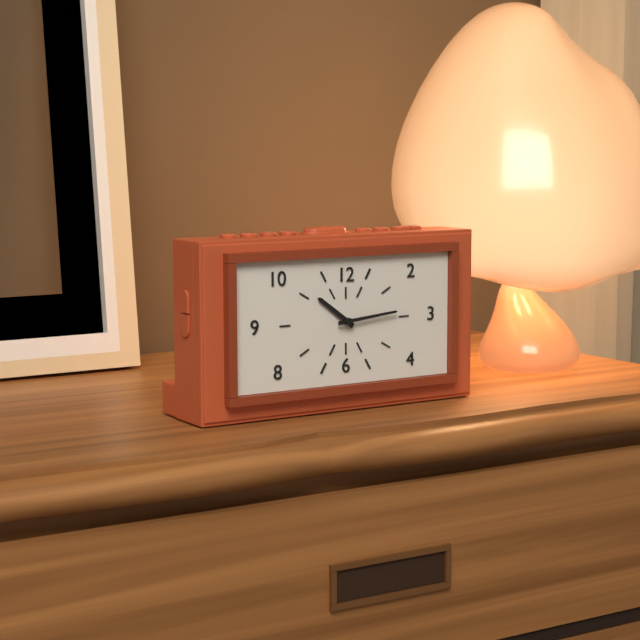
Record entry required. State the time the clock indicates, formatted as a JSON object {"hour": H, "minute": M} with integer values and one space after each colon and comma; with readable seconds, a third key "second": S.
{"hour": 10, "minute": 14}
